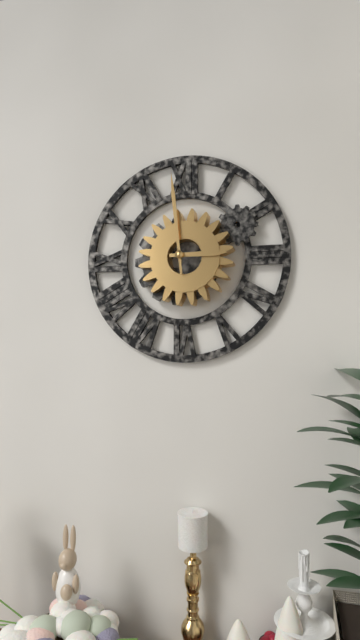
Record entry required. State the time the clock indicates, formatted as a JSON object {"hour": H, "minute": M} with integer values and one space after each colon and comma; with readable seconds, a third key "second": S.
{"hour": 2, "minute": 59}
